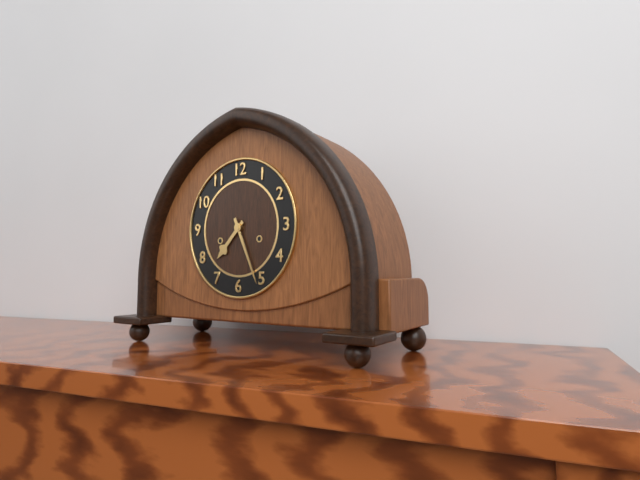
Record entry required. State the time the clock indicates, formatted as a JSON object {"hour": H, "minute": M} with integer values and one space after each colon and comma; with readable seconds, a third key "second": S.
{"hour": 7, "minute": 26}
